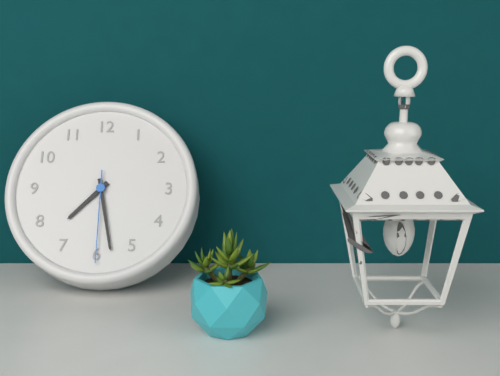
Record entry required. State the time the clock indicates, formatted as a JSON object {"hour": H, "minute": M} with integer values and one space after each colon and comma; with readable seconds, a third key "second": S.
{"hour": 7, "minute": 28, "second": 30}
